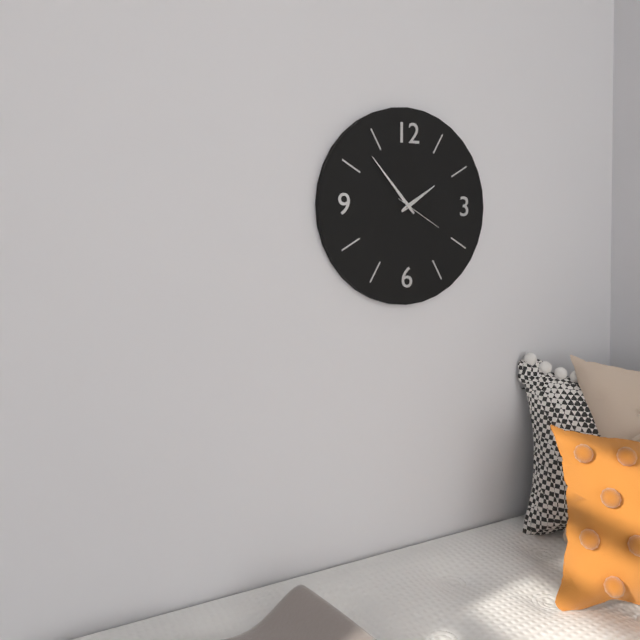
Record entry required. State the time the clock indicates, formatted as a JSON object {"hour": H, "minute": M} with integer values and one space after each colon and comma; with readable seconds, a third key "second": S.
{"hour": 1, "minute": 53}
